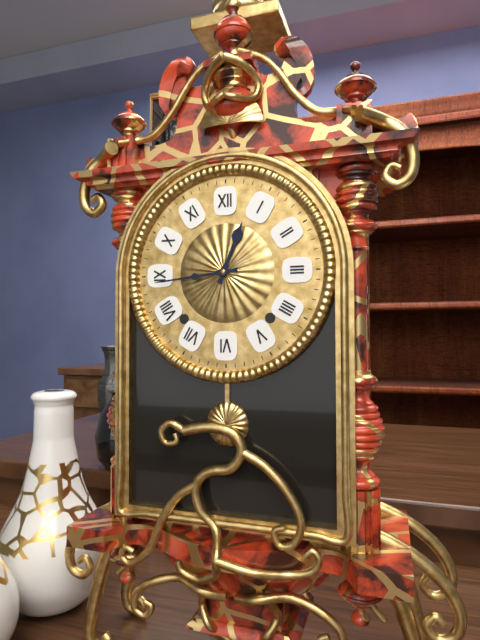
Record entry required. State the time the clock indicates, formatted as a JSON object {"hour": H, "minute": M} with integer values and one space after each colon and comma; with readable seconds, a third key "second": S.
{"hour": 12, "minute": 44}
